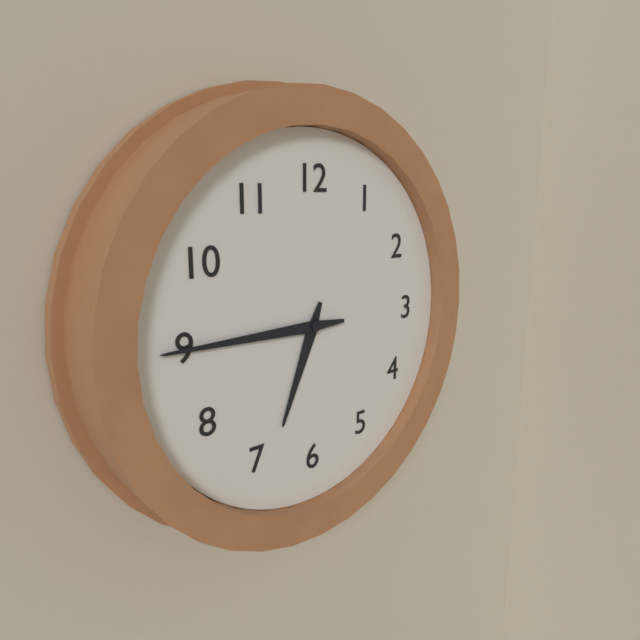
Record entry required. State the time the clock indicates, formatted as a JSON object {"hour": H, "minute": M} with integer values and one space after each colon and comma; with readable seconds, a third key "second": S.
{"hour": 6, "minute": 45}
